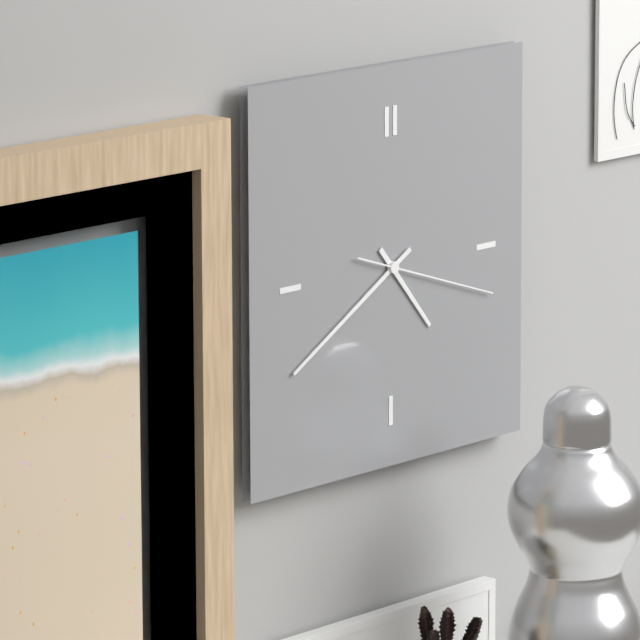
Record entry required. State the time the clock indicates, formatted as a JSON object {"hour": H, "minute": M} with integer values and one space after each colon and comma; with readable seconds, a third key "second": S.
{"hour": 4, "minute": 40, "second": 18}
